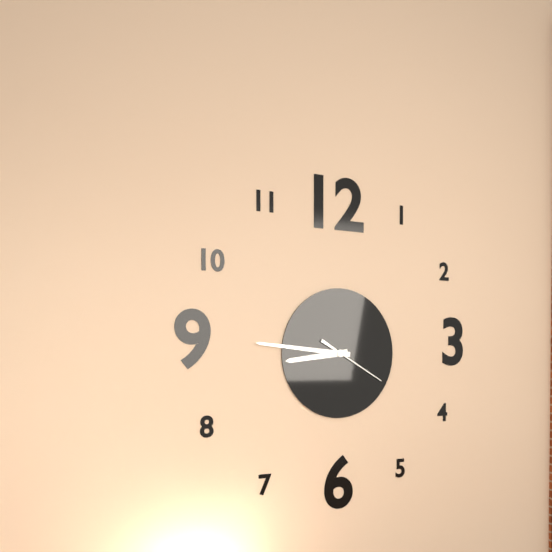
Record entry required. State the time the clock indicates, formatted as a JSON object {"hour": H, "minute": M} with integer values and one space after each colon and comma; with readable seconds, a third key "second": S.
{"hour": 8, "minute": 46, "second": 20}
